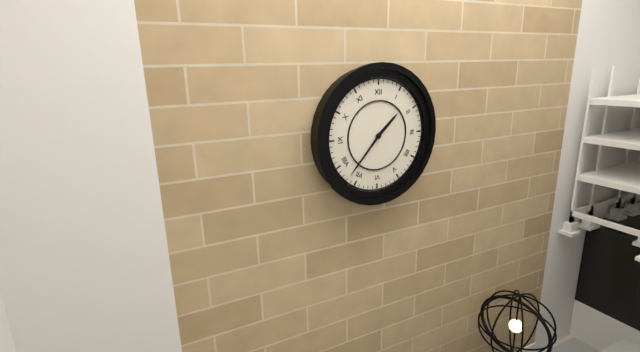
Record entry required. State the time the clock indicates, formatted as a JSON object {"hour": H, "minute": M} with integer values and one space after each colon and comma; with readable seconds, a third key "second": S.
{"hour": 1, "minute": 37}
